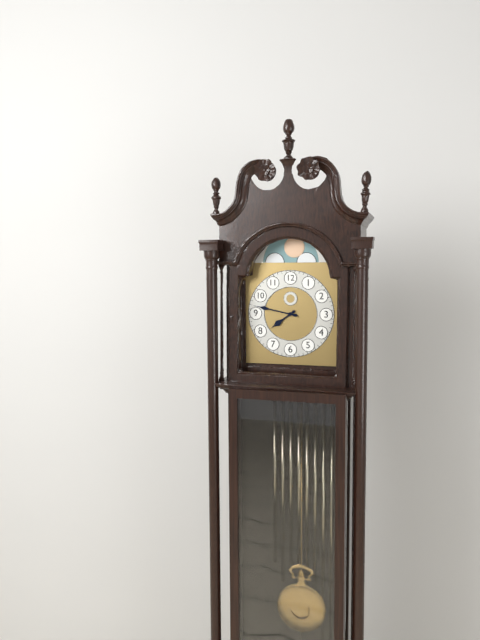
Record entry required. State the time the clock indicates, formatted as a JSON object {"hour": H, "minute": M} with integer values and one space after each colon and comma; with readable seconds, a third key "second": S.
{"hour": 7, "minute": 47}
